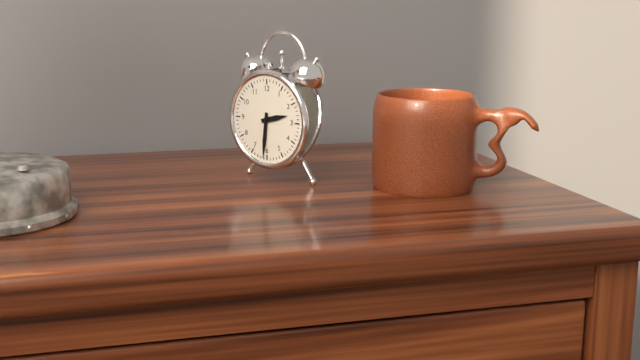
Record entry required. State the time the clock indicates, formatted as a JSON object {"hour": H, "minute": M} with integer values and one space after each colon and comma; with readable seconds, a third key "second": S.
{"hour": 2, "minute": 31}
